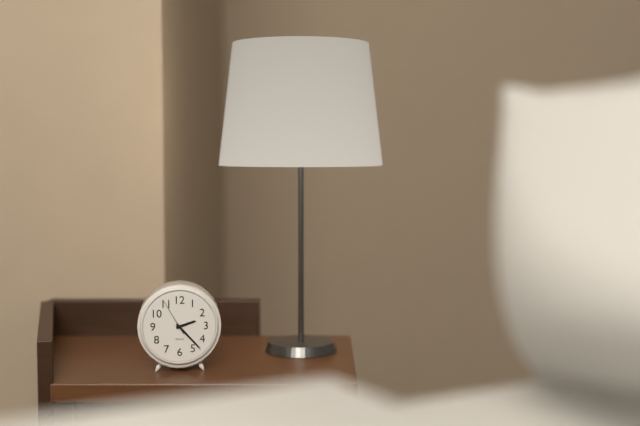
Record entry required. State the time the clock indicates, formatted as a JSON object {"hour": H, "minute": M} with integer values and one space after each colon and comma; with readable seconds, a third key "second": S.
{"hour": 2, "minute": 23}
